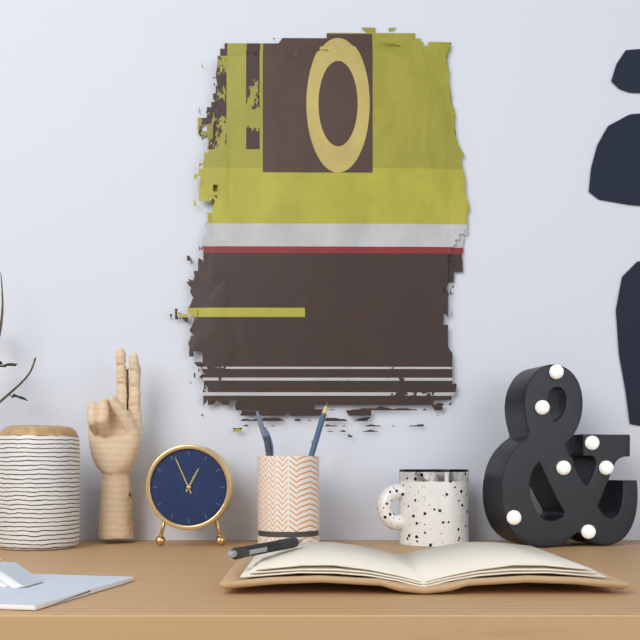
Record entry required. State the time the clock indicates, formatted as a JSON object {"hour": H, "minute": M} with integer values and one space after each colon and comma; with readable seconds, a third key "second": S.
{"hour": 12, "minute": 56}
